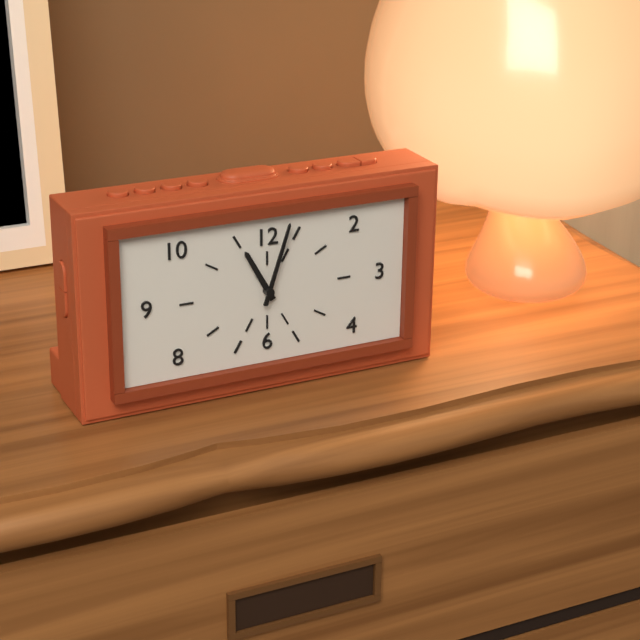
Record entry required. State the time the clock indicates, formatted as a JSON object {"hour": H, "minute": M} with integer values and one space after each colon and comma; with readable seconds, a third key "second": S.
{"hour": 11, "minute": 3}
